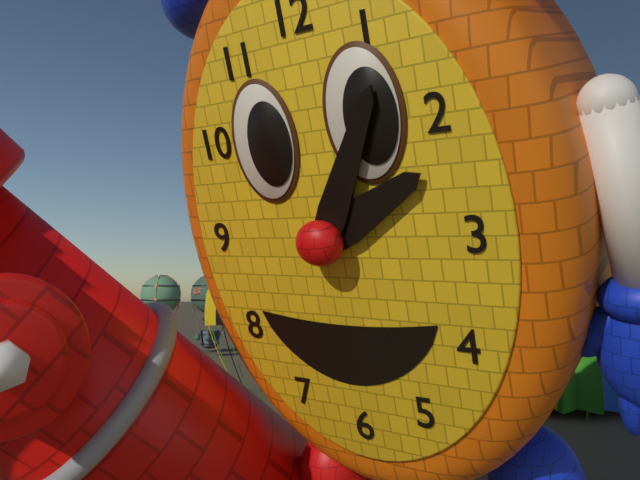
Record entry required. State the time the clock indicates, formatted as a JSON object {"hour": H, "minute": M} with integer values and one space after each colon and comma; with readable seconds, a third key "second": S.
{"hour": 2, "minute": 5}
